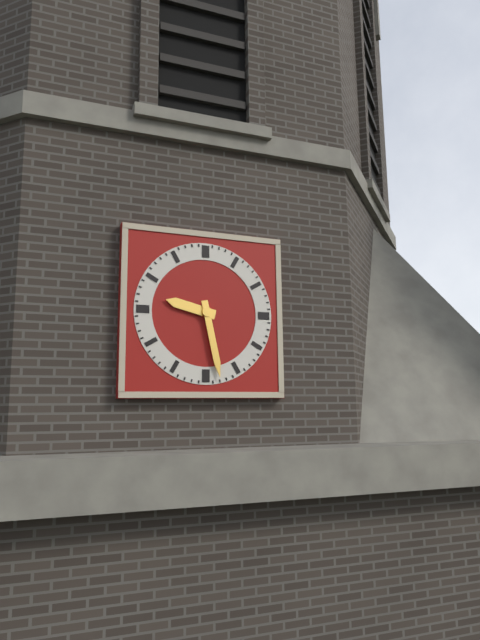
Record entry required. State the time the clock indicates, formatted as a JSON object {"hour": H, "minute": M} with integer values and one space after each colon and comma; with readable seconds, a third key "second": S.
{"hour": 9, "minute": 28}
